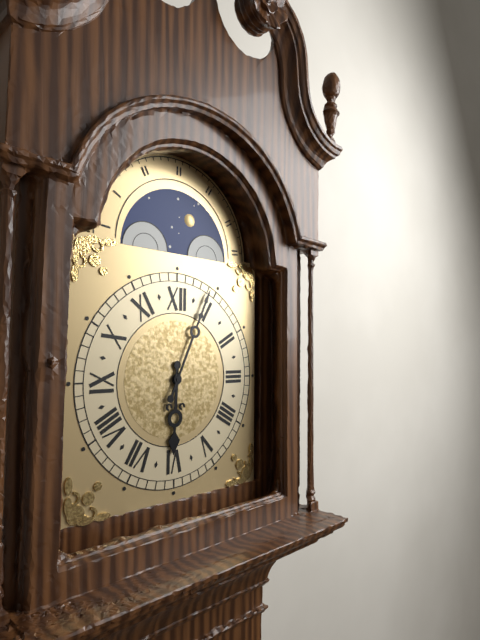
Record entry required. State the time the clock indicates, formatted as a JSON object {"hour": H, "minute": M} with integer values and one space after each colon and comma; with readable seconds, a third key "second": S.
{"hour": 6, "minute": 4}
